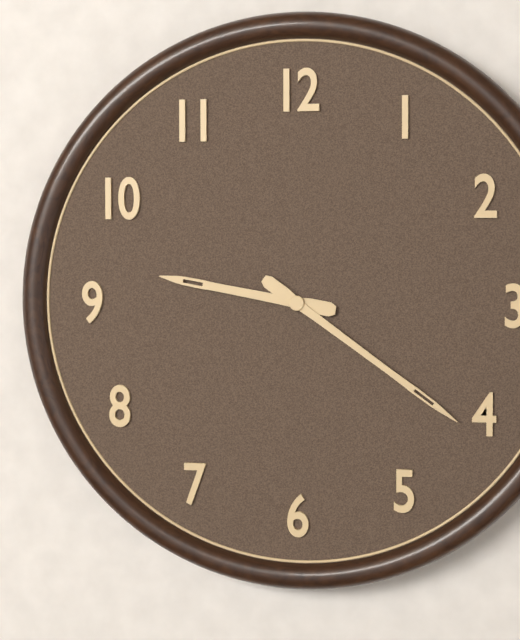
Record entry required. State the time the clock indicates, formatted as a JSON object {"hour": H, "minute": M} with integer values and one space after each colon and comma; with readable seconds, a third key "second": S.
{"hour": 9, "minute": 21}
